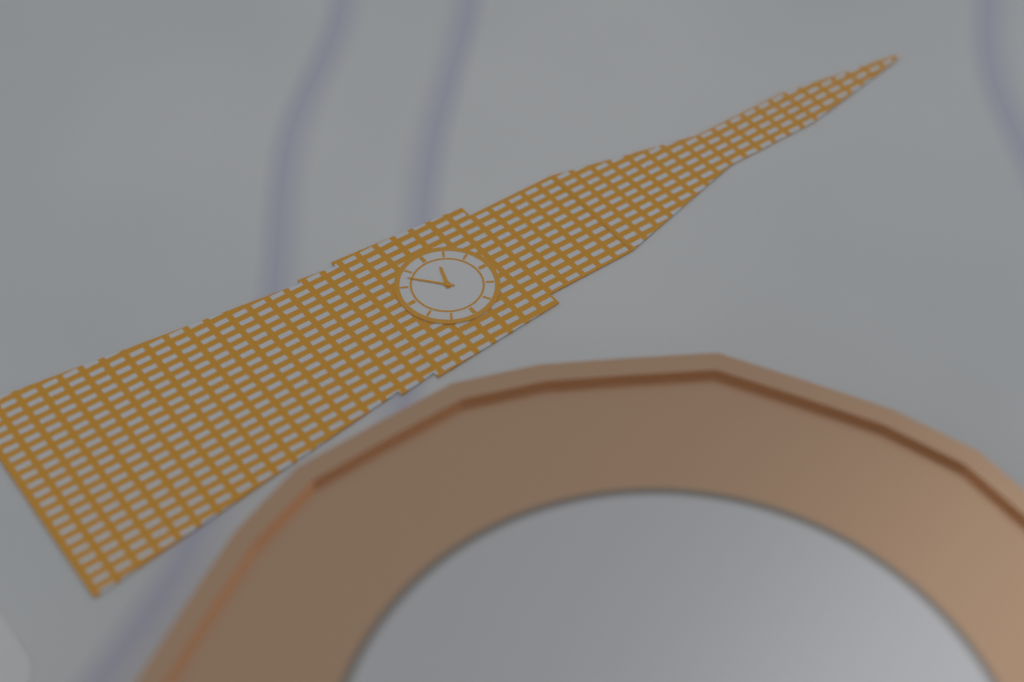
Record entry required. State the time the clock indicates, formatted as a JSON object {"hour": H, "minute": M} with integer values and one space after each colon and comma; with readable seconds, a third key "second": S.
{"hour": 9, "minute": 38}
